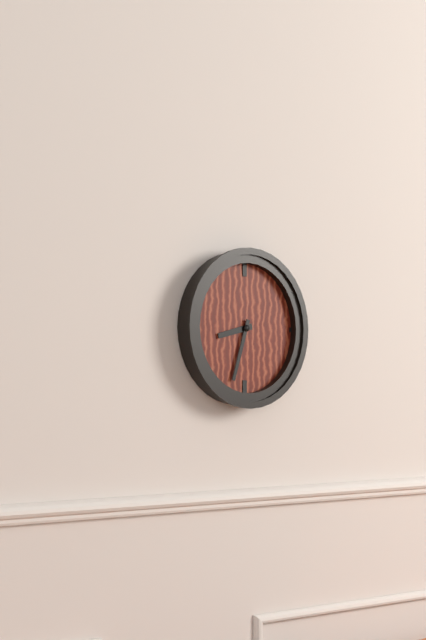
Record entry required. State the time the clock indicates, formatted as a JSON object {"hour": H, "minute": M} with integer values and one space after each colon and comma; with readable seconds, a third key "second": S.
{"hour": 8, "minute": 33}
